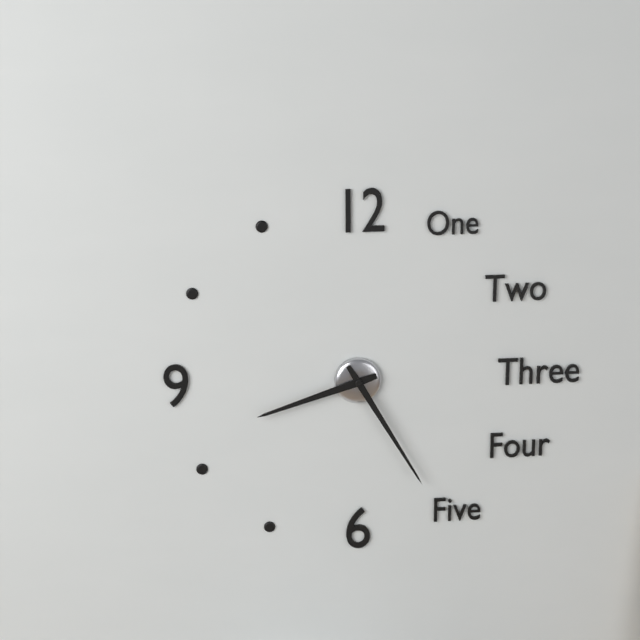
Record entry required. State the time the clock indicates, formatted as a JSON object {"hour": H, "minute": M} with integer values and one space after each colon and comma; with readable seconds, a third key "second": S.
{"hour": 8, "minute": 25}
